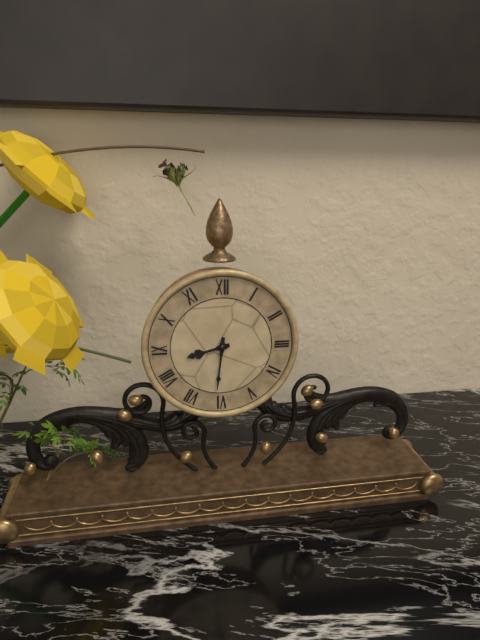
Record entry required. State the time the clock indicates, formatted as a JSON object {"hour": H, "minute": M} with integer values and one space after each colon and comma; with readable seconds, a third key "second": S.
{"hour": 8, "minute": 31}
